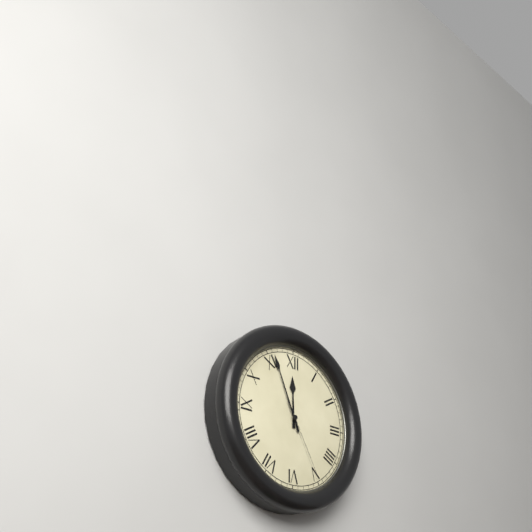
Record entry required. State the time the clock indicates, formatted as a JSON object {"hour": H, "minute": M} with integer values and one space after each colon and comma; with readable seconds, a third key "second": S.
{"hour": 11, "minute": 56, "second": 25}
